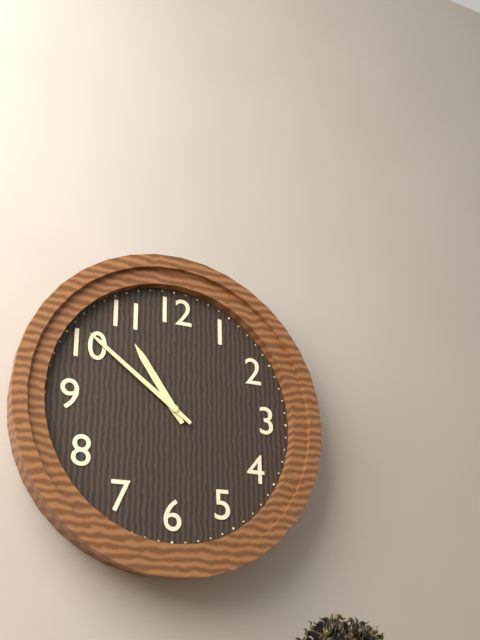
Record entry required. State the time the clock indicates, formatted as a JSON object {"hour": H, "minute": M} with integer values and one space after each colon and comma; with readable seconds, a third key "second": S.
{"hour": 10, "minute": 51}
